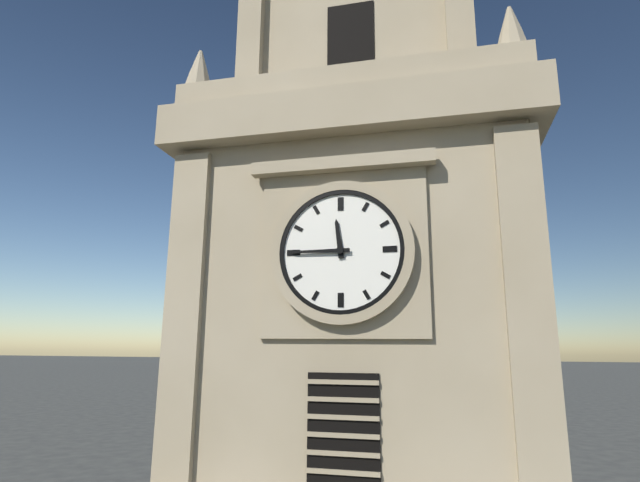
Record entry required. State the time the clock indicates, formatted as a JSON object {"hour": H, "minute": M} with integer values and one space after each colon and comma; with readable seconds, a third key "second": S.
{"hour": 11, "minute": 45}
